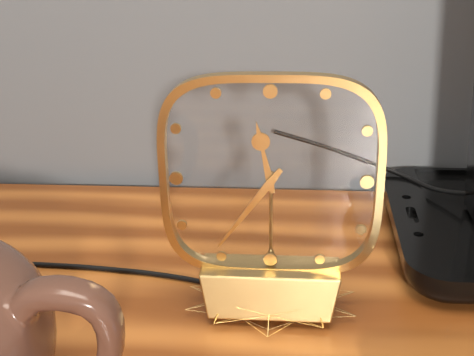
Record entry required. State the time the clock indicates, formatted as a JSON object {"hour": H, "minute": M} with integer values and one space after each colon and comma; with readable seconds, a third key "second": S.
{"hour": 11, "minute": 36}
